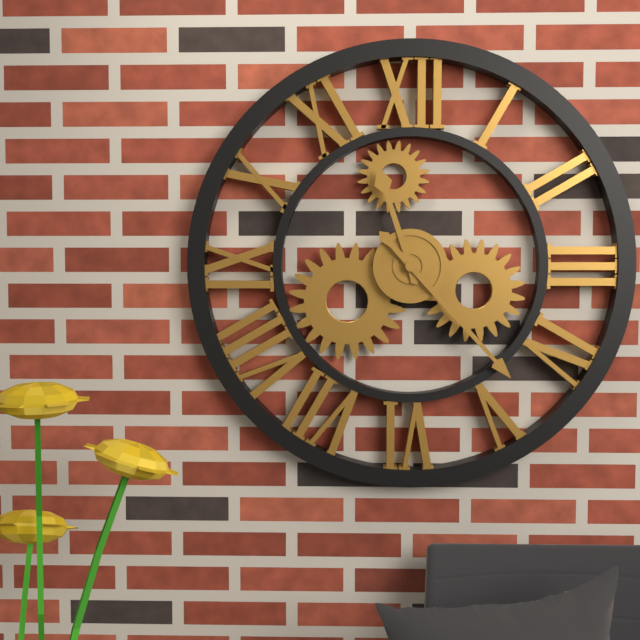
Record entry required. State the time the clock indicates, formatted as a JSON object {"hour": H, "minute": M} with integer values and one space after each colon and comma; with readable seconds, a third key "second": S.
{"hour": 11, "minute": 23}
